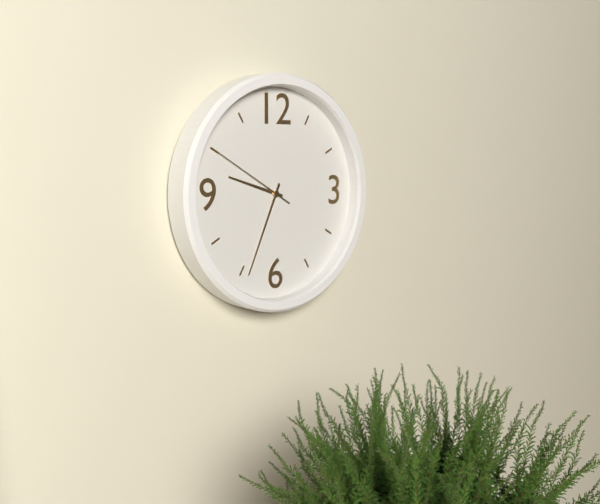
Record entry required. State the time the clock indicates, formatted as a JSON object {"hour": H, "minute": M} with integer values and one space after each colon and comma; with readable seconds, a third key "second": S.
{"hour": 9, "minute": 34, "second": 50}
